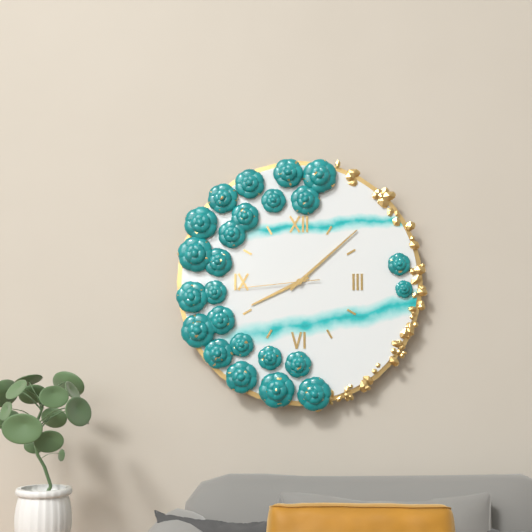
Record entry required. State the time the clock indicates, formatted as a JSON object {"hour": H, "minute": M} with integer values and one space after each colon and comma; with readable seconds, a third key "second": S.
{"hour": 8, "minute": 8, "second": 44}
